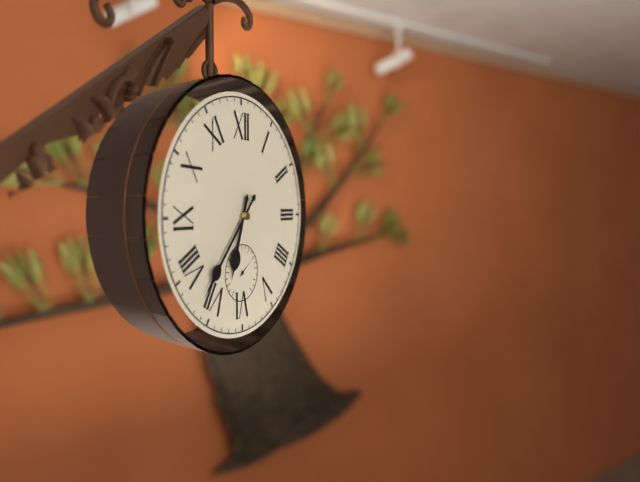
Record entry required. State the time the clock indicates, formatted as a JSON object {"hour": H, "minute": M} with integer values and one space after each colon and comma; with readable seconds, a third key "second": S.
{"hour": 6, "minute": 37}
